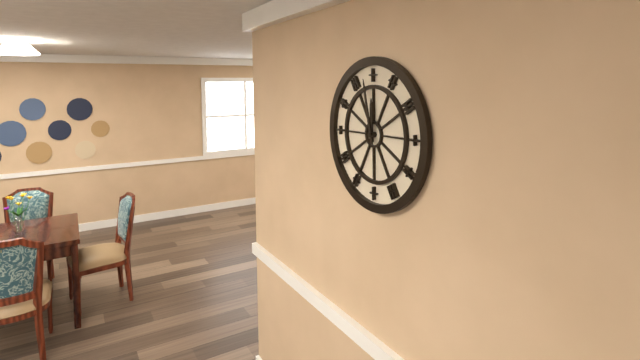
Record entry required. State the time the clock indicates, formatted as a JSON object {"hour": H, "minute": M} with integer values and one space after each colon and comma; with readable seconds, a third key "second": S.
{"hour": 11, "minute": 58}
